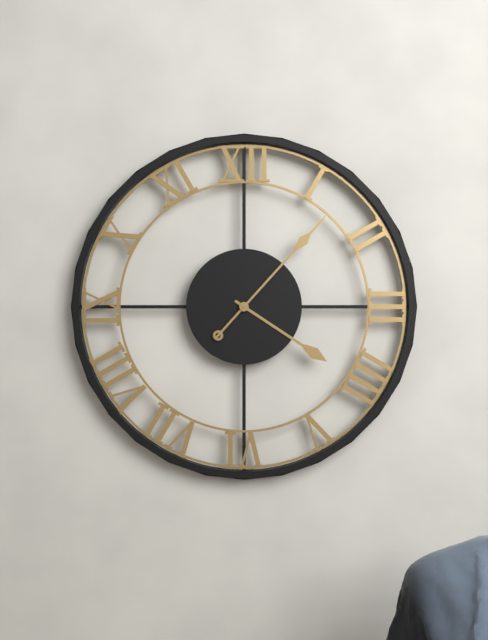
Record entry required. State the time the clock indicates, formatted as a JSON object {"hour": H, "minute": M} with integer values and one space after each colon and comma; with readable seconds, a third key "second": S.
{"hour": 4, "minute": 7}
